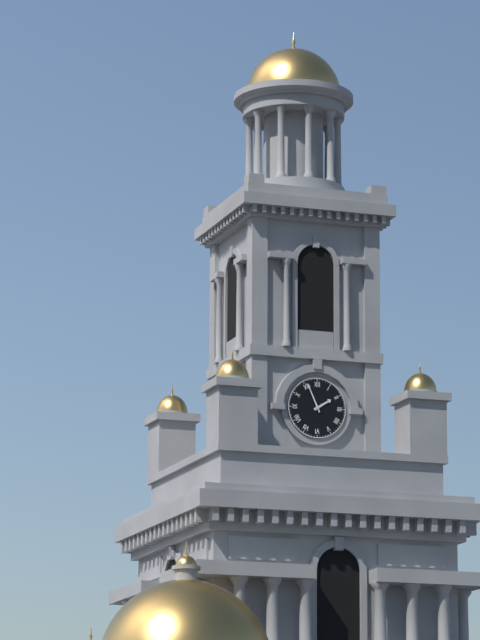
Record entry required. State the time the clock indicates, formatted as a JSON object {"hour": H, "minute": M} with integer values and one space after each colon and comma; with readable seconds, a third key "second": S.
{"hour": 1, "minute": 56}
